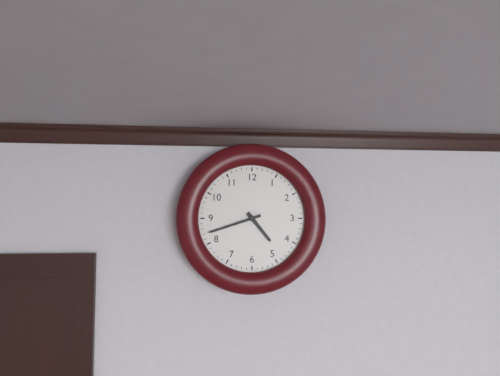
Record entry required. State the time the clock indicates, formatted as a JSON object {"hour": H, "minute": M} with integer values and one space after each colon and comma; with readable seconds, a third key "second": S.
{"hour": 4, "minute": 42}
